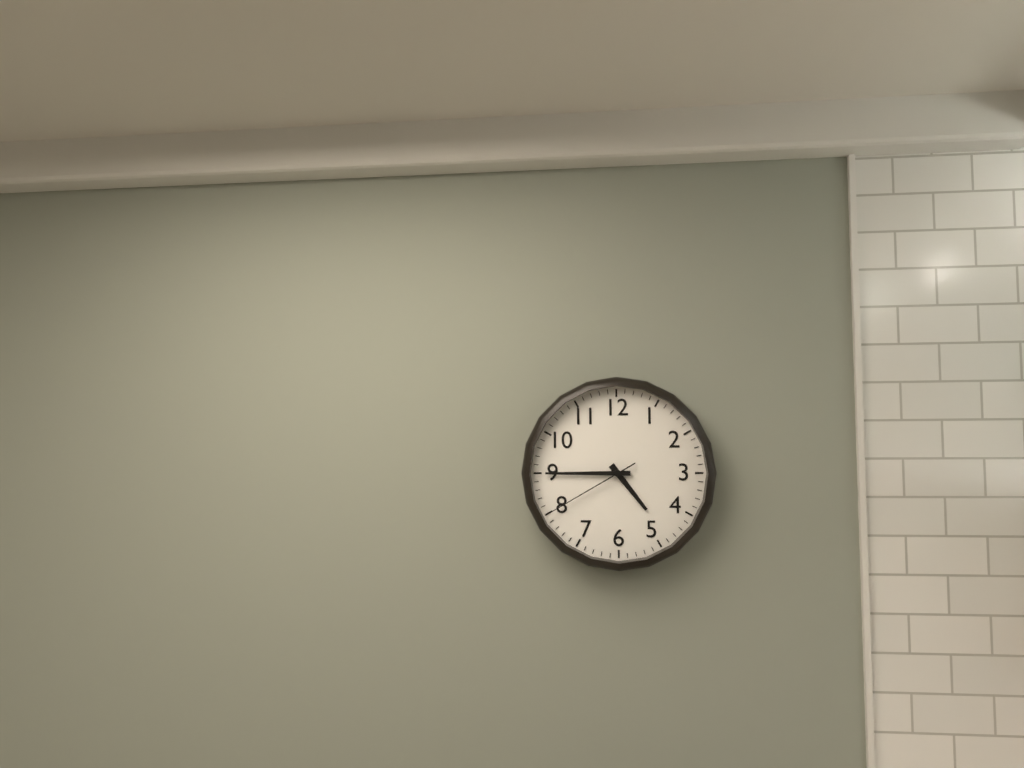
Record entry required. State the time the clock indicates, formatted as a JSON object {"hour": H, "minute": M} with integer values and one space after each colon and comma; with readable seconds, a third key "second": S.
{"hour": 4, "minute": 45, "second": 40}
